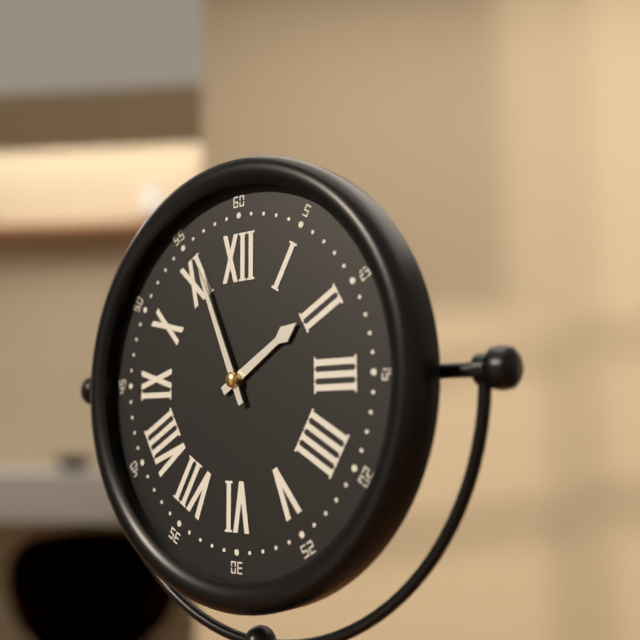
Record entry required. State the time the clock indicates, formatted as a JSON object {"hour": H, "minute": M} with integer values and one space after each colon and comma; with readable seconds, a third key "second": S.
{"hour": 1, "minute": 56}
